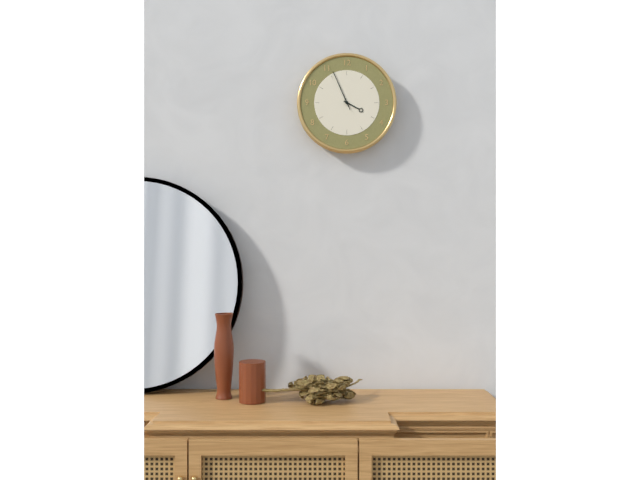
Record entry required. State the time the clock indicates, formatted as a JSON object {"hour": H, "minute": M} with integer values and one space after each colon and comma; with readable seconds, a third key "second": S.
{"hour": 3, "minute": 56}
